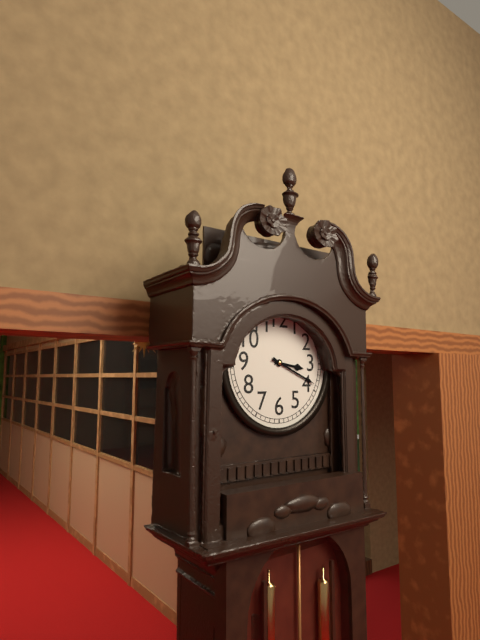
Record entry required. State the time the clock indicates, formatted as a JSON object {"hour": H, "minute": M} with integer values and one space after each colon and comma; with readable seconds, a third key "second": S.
{"hour": 3, "minute": 19}
